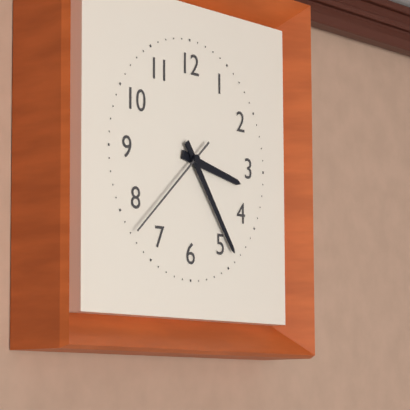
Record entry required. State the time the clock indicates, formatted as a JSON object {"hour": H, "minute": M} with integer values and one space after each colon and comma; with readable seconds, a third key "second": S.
{"hour": 3, "minute": 24, "second": 38}
